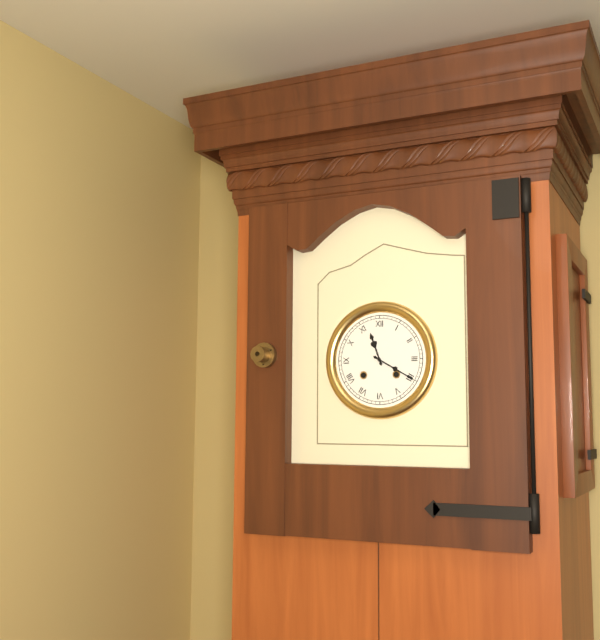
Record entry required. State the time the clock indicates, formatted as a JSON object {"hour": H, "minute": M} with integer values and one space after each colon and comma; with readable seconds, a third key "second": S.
{"hour": 11, "minute": 20}
